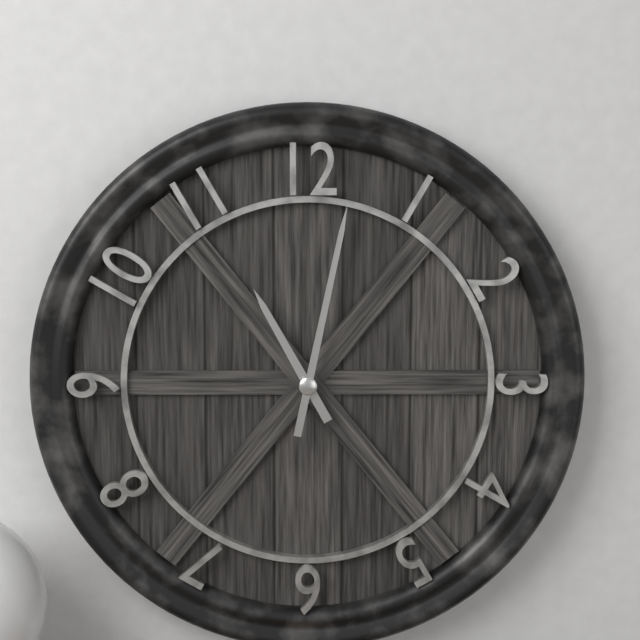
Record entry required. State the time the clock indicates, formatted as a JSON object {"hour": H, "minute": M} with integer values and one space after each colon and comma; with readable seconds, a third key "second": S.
{"hour": 11, "minute": 2}
